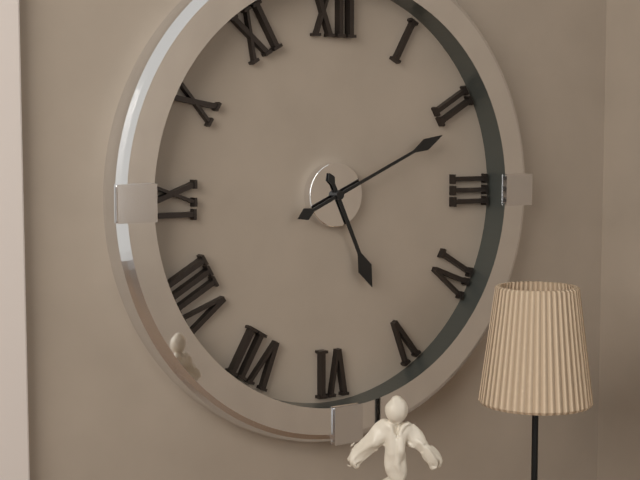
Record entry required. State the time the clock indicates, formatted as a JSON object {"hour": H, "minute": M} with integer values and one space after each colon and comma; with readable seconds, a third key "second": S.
{"hour": 5, "minute": 11}
